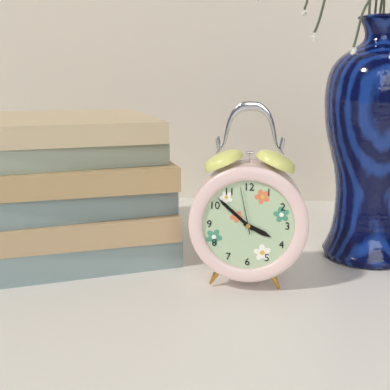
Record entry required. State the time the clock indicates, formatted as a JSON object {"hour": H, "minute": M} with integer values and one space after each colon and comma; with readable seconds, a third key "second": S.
{"hour": 3, "minute": 52}
